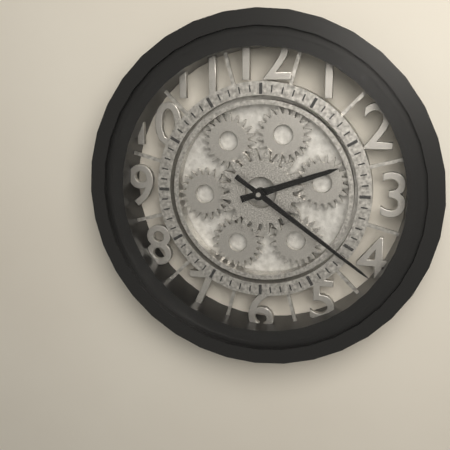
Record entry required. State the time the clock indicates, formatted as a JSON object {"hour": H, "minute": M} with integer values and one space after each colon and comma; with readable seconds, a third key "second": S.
{"hour": 2, "minute": 21}
